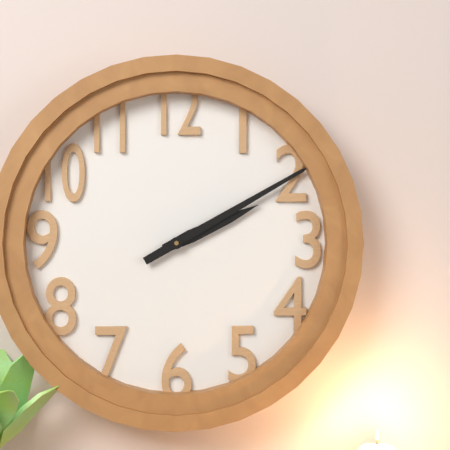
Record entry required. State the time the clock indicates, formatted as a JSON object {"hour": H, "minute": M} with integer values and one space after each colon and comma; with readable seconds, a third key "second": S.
{"hour": 2, "minute": 10}
